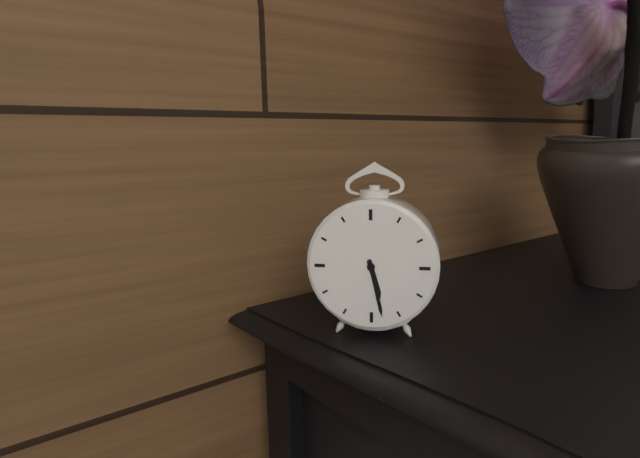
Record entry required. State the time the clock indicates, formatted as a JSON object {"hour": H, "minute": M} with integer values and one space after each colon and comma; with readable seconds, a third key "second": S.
{"hour": 5, "minute": 28}
